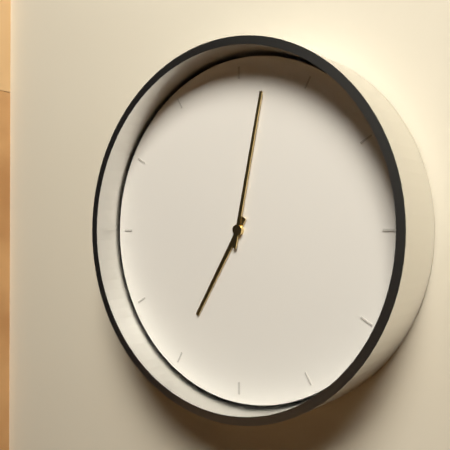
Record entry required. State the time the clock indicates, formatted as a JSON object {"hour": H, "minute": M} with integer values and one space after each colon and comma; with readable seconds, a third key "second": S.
{"hour": 7, "minute": 2}
